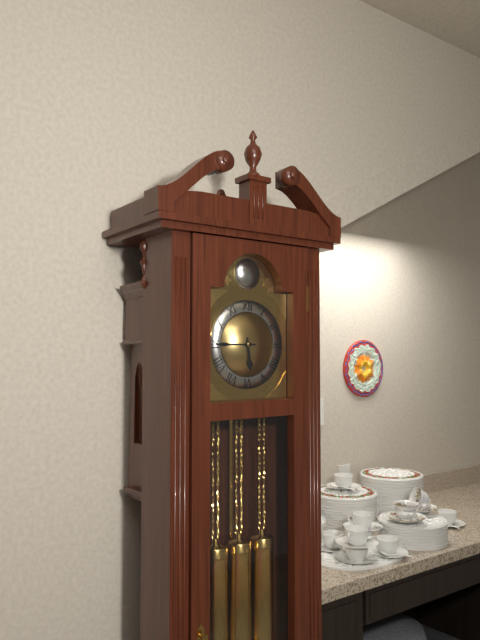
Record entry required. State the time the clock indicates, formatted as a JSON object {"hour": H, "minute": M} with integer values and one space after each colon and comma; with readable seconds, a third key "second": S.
{"hour": 5, "minute": 45}
